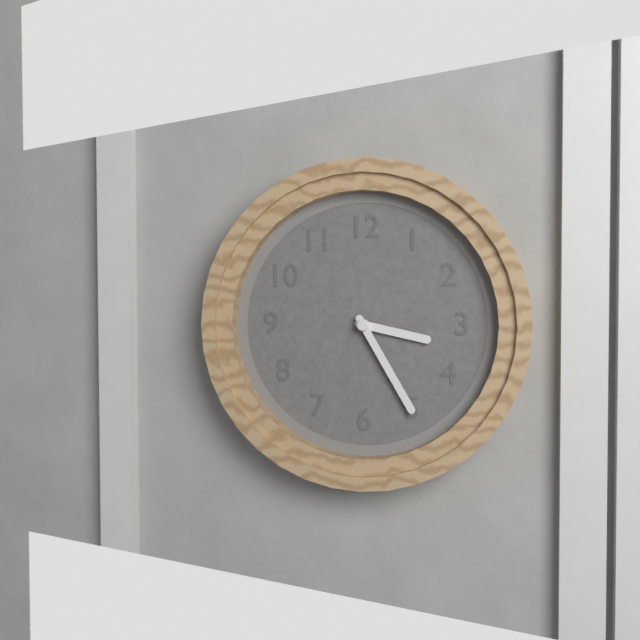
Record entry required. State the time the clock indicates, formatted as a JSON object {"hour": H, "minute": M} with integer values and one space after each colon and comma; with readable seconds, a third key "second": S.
{"hour": 3, "minute": 25}
